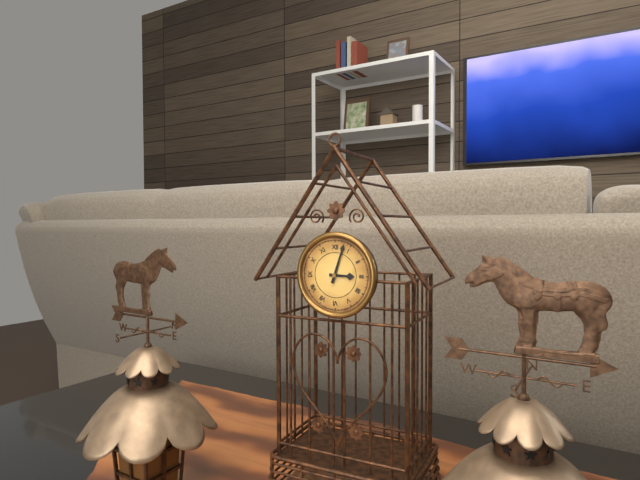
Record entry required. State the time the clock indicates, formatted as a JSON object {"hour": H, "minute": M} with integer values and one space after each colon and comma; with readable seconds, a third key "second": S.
{"hour": 3, "minute": 3}
